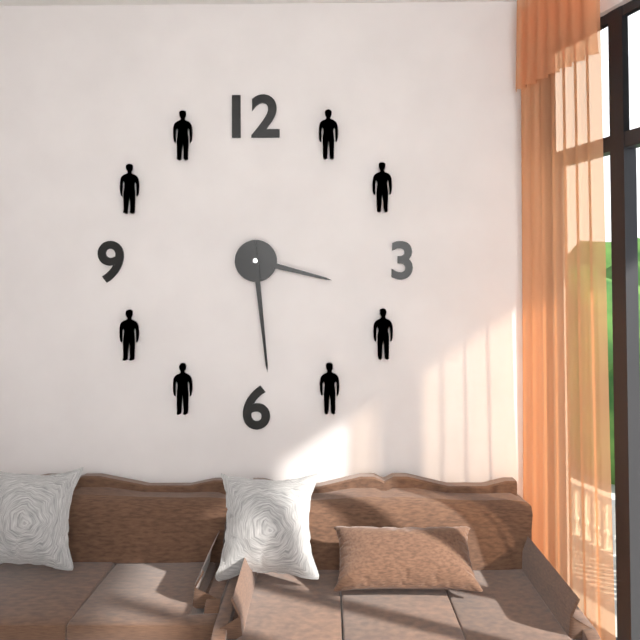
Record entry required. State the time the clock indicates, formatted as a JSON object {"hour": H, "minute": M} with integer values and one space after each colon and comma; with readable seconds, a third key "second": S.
{"hour": 3, "minute": 29}
